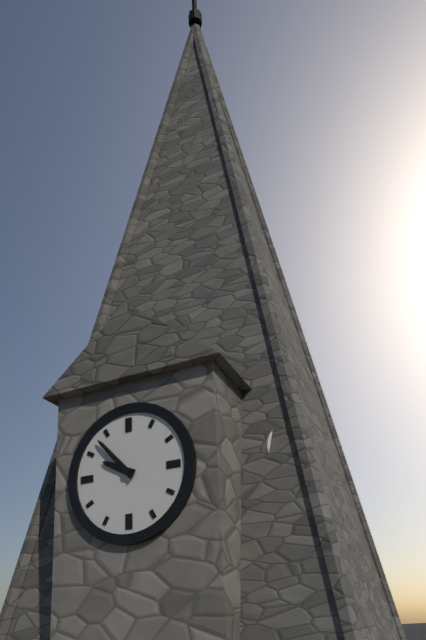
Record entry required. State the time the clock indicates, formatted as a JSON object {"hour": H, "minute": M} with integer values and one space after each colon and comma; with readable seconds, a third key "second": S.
{"hour": 9, "minute": 53}
